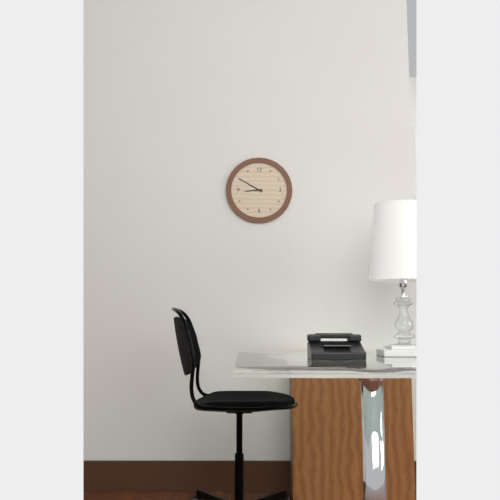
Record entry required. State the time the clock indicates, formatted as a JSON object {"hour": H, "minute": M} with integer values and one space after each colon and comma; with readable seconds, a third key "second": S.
{"hour": 8, "minute": 50}
